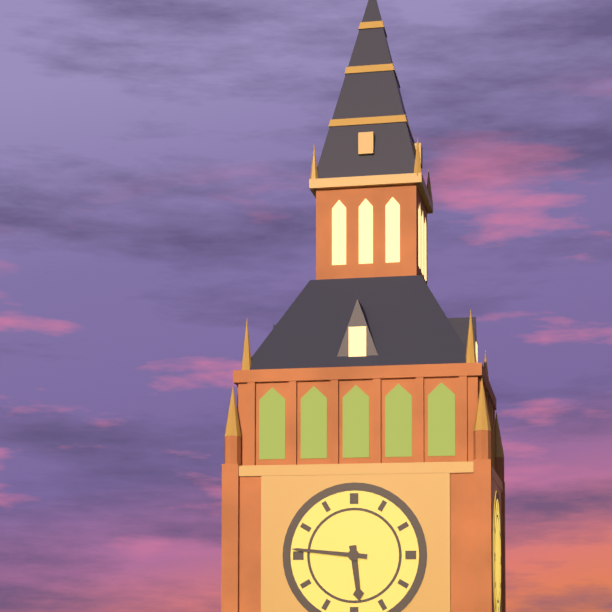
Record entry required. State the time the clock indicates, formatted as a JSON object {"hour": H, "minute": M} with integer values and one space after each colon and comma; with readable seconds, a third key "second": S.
{"hour": 5, "minute": 46}
